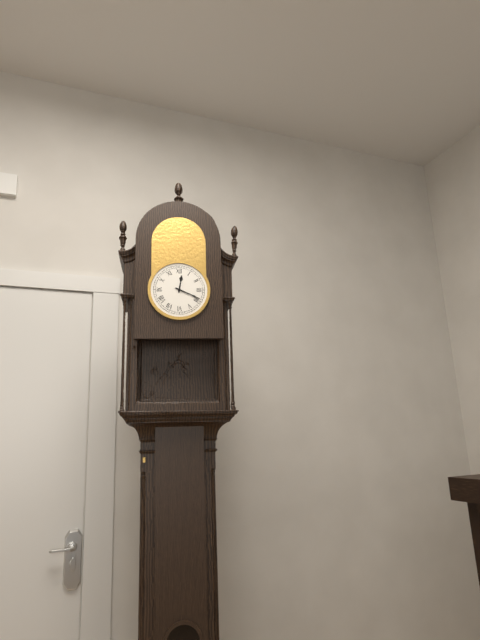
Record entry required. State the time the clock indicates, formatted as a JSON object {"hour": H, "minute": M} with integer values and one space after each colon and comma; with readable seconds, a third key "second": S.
{"hour": 12, "minute": 19}
